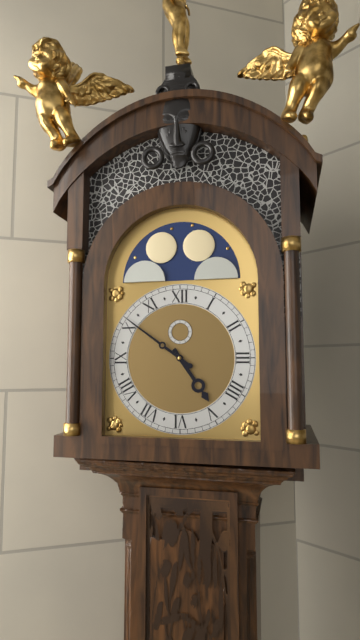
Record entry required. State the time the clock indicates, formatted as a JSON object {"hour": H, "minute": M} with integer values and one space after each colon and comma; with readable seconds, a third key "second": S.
{"hour": 4, "minute": 51}
